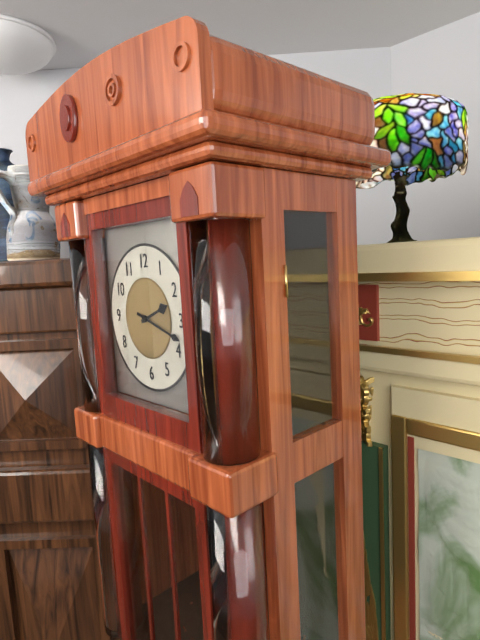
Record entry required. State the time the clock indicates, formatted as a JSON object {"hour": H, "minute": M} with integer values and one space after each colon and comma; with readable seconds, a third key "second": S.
{"hour": 2, "minute": 18}
